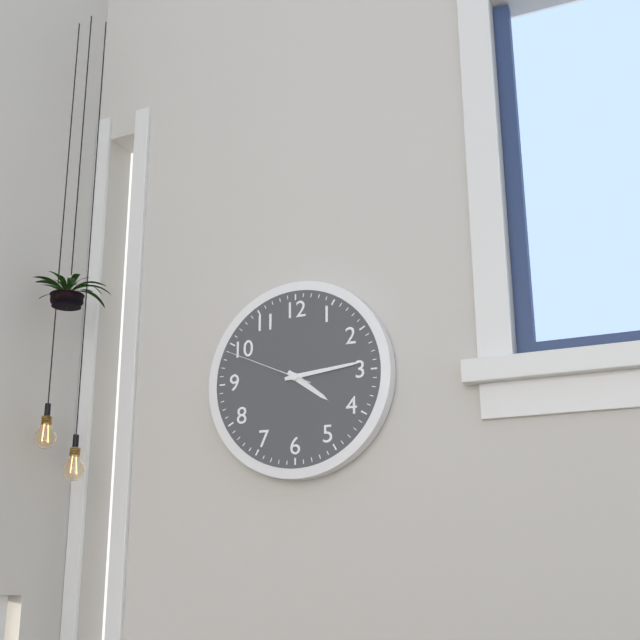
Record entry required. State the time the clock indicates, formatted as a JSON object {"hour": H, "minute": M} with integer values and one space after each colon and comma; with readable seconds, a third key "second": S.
{"hour": 4, "minute": 14, "second": 49}
